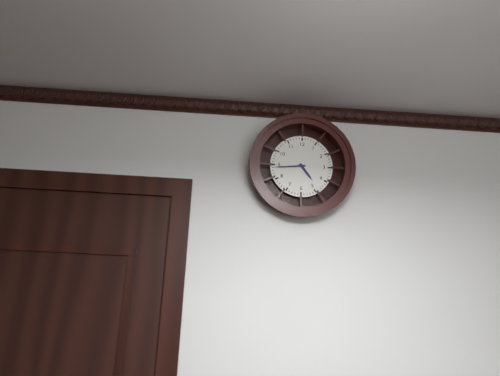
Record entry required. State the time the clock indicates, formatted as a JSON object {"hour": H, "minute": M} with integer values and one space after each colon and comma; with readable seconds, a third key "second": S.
{"hour": 4, "minute": 44}
